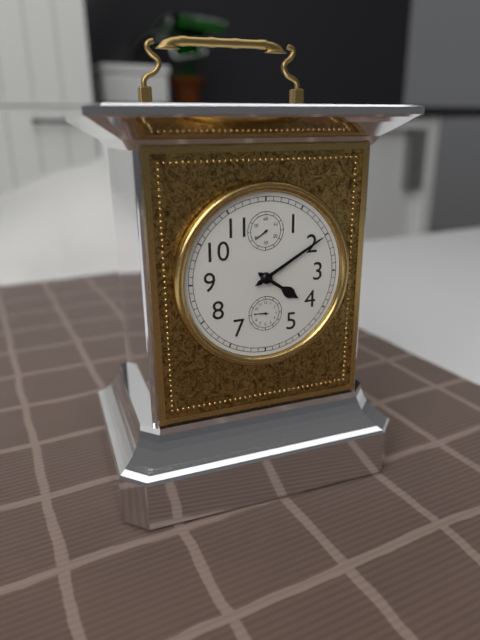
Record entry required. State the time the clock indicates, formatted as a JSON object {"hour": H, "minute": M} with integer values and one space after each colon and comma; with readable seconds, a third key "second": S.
{"hour": 4, "minute": 10}
